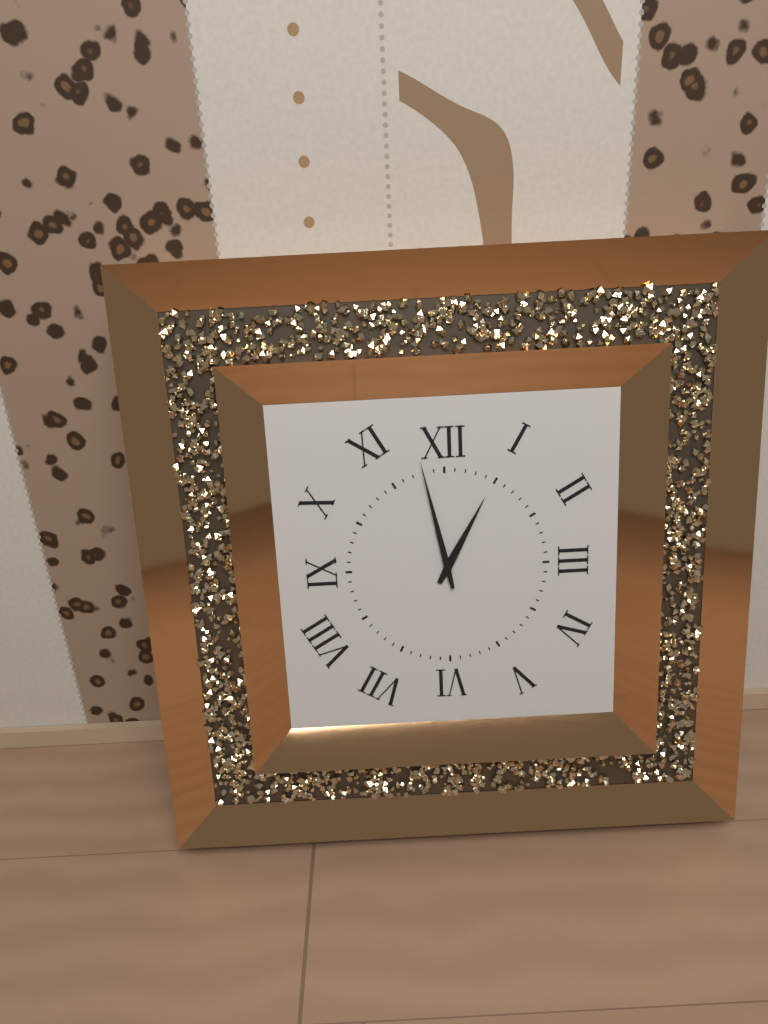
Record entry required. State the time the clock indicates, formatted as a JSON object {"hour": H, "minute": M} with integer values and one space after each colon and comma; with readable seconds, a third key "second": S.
{"hour": 12, "minute": 58}
